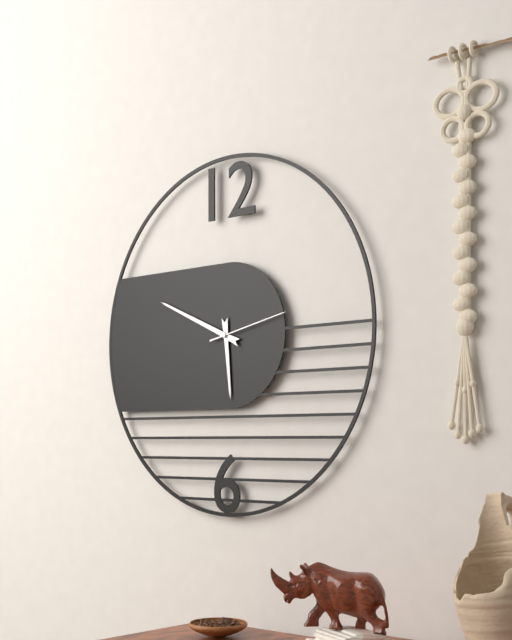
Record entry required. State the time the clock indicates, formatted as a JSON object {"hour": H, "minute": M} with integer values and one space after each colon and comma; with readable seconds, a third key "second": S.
{"hour": 5, "minute": 49, "second": 13}
